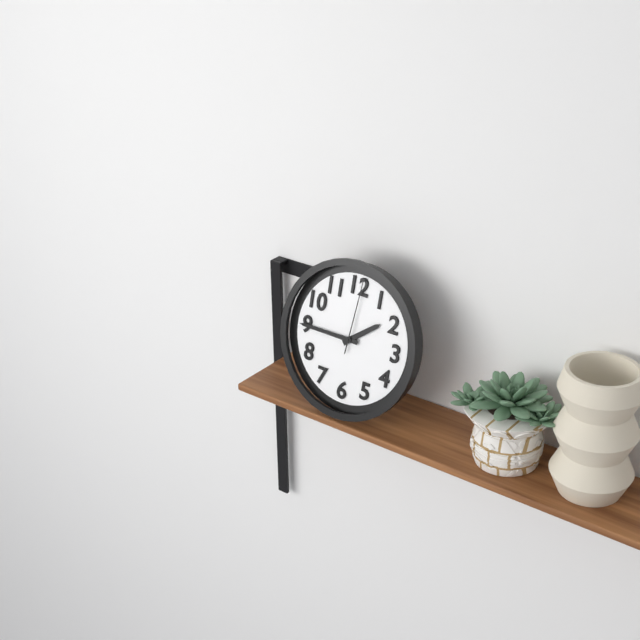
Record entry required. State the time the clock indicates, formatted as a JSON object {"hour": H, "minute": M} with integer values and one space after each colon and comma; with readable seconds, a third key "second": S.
{"hour": 1, "minute": 45, "second": 1}
